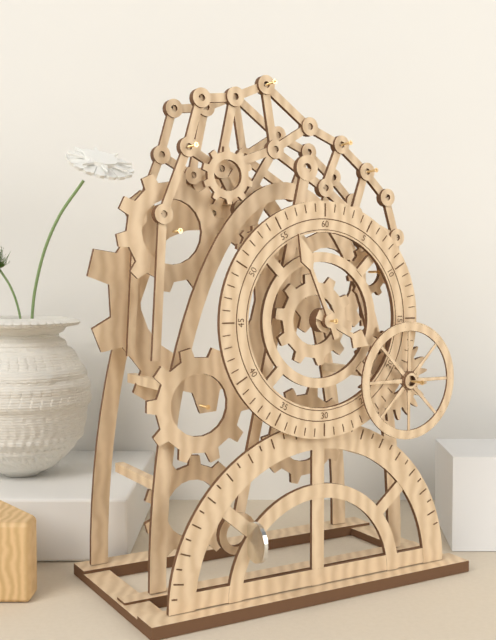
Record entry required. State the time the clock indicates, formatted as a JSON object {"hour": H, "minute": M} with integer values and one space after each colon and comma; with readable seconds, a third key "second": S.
{"hour": 3, "minute": 56}
